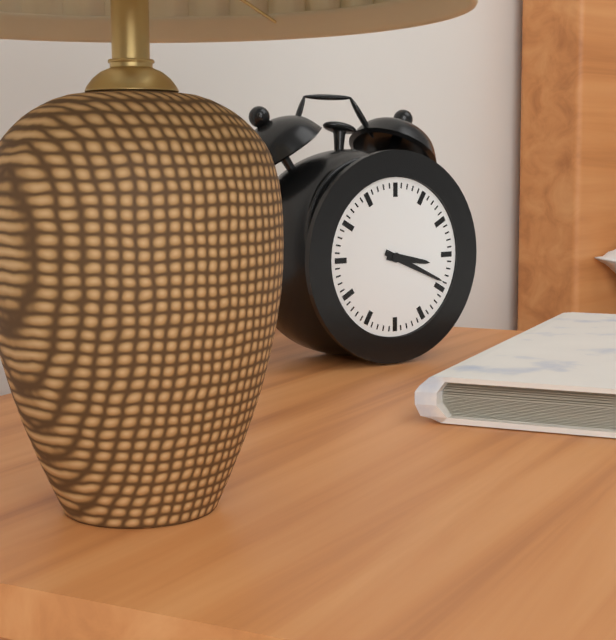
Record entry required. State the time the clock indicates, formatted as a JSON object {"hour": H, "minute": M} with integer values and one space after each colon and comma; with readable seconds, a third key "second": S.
{"hour": 3, "minute": 19}
